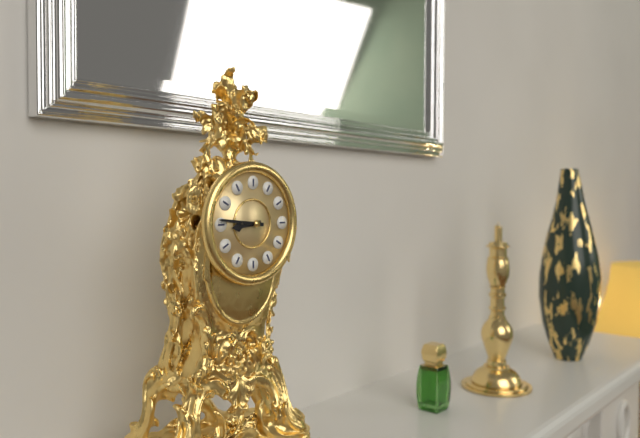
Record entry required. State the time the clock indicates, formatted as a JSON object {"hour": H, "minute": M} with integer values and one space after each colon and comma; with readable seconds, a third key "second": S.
{"hour": 8, "minute": 46}
